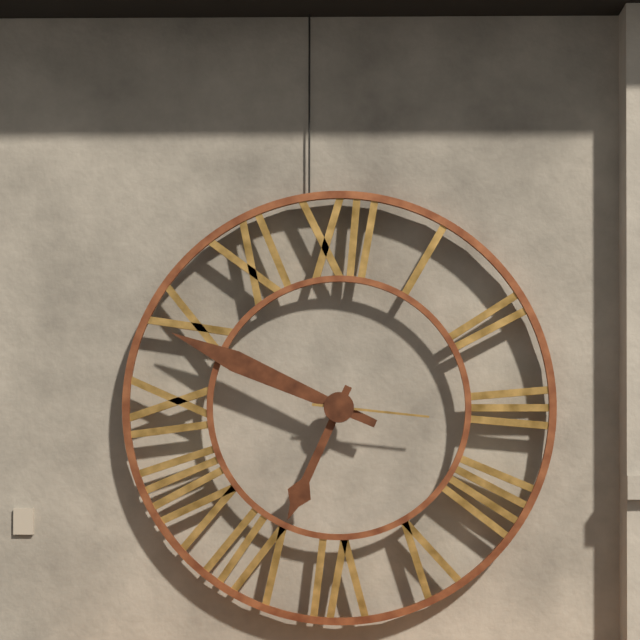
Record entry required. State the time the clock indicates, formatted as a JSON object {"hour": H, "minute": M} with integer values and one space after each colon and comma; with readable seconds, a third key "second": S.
{"hour": 6, "minute": 49, "second": 16}
